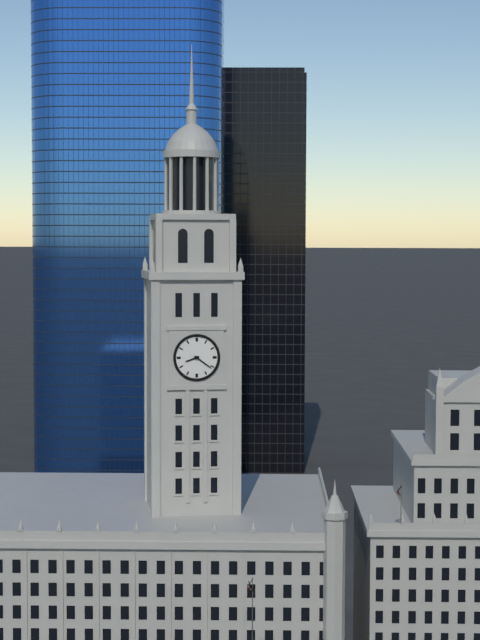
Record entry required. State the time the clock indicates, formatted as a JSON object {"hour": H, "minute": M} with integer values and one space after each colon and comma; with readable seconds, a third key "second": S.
{"hour": 8, "minute": 21}
